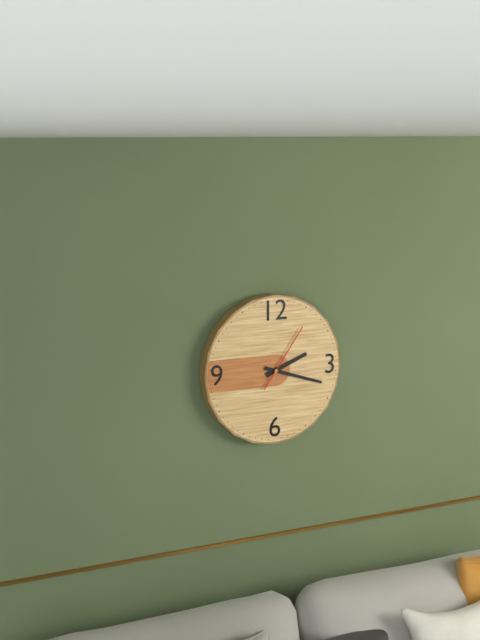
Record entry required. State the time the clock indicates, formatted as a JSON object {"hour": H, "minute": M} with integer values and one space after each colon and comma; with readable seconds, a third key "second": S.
{"hour": 2, "minute": 18, "second": 6}
